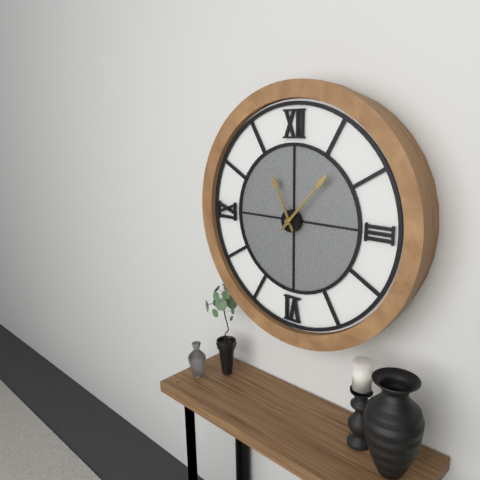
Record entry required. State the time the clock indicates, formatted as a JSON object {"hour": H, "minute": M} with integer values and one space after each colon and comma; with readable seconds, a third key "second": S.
{"hour": 11, "minute": 7}
